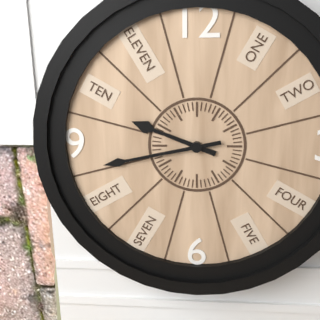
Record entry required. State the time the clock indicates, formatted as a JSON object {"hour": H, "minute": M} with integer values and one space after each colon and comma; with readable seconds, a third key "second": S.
{"hour": 9, "minute": 43}
